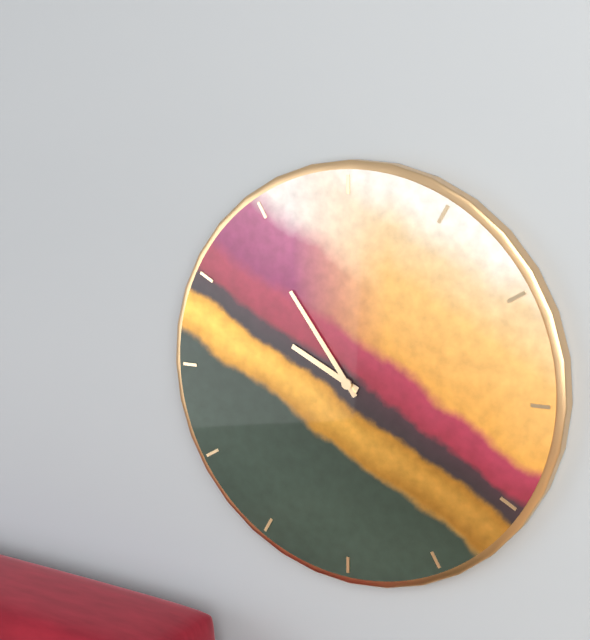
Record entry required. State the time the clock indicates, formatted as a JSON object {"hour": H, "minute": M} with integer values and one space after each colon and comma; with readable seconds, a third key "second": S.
{"hour": 9, "minute": 54}
